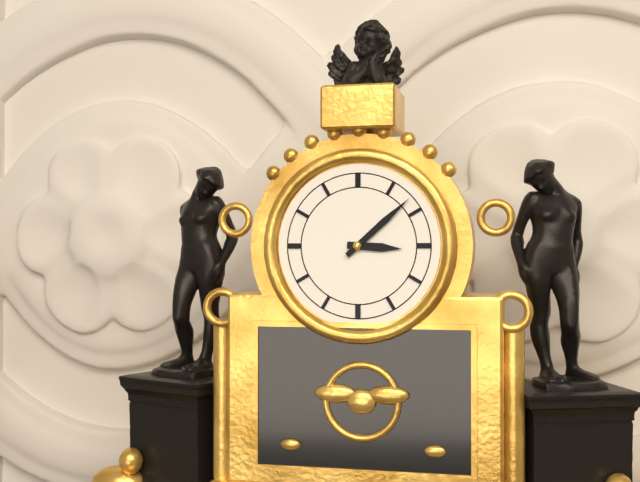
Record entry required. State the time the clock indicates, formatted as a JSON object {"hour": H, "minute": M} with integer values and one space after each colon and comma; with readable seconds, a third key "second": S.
{"hour": 3, "minute": 8}
